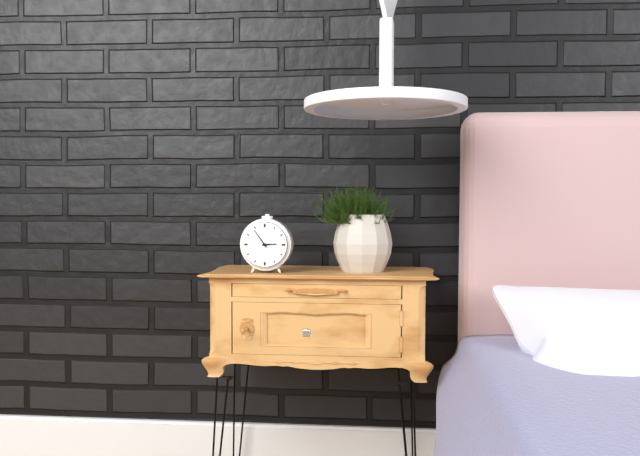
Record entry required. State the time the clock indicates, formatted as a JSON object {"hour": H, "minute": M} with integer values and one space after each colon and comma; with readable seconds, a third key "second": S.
{"hour": 2, "minute": 54}
